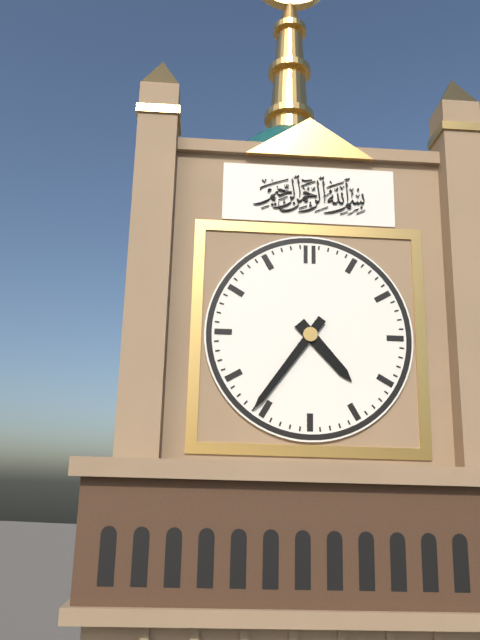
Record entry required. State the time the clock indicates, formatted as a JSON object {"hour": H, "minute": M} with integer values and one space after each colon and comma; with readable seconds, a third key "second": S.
{"hour": 4, "minute": 36}
